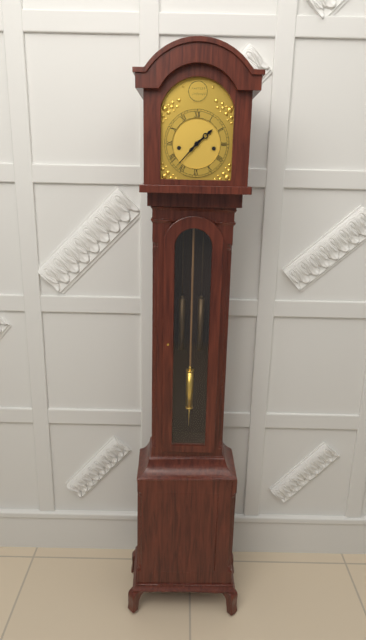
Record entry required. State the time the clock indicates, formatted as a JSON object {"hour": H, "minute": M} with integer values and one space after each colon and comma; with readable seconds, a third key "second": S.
{"hour": 1, "minute": 37}
